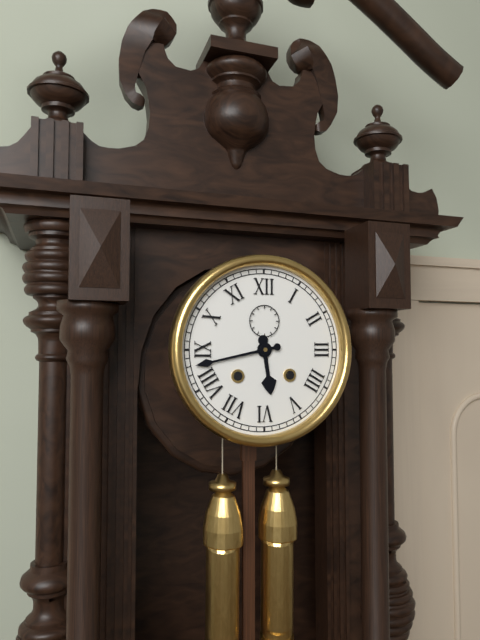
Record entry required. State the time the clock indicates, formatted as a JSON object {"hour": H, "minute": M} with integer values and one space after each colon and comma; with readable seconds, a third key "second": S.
{"hour": 5, "minute": 43}
